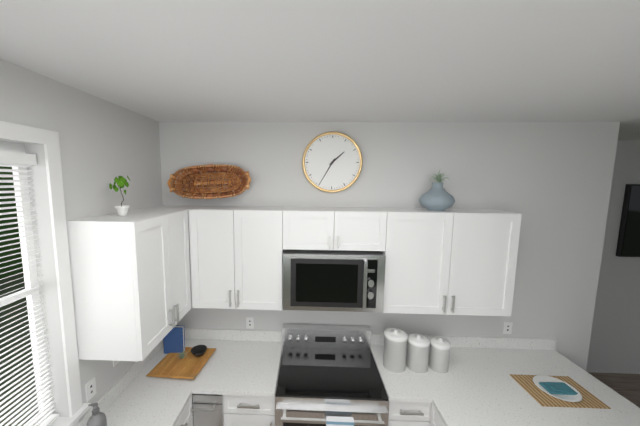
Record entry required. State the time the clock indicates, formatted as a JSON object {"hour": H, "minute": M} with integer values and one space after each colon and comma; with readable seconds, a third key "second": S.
{"hour": 1, "minute": 35}
